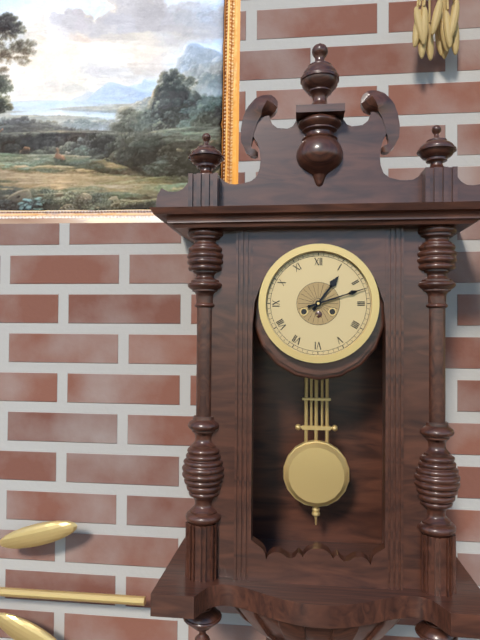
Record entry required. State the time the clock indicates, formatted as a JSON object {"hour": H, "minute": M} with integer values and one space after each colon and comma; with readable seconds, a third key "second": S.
{"hour": 1, "minute": 12}
